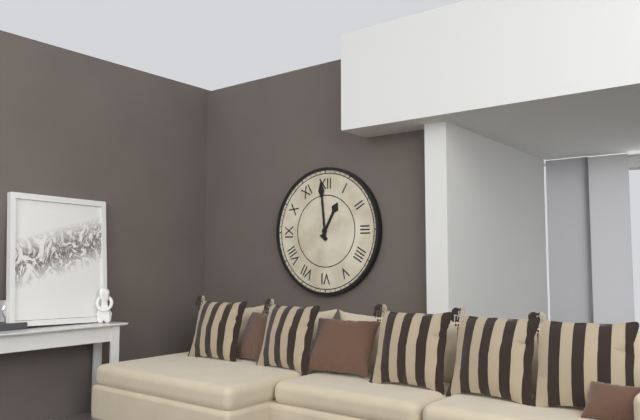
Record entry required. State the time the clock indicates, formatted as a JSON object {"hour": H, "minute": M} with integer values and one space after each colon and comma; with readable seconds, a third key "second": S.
{"hour": 12, "minute": 59}
